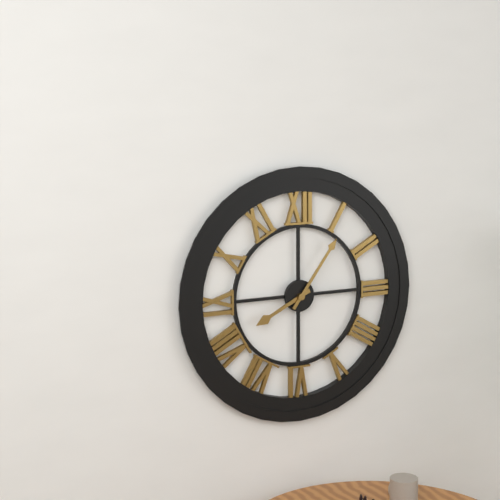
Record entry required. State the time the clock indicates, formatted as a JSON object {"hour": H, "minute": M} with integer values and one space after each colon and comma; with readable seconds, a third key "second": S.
{"hour": 8, "minute": 6}
